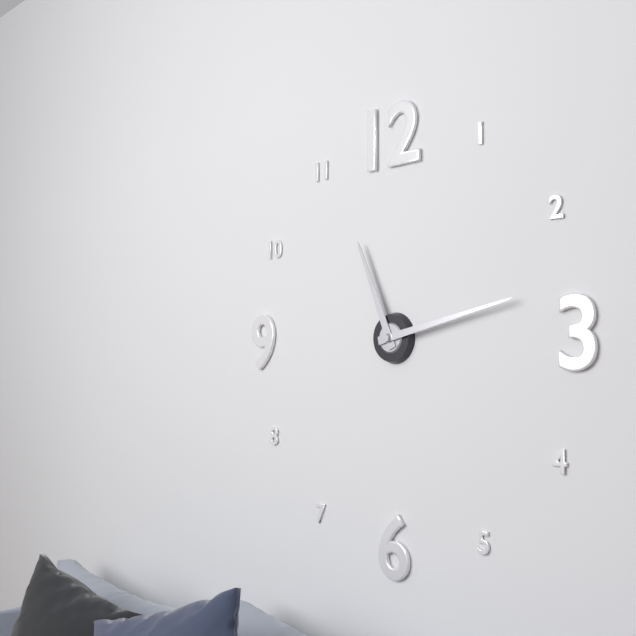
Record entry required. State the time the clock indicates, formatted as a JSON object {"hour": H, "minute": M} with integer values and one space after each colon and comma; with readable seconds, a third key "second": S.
{"hour": 11, "minute": 13}
